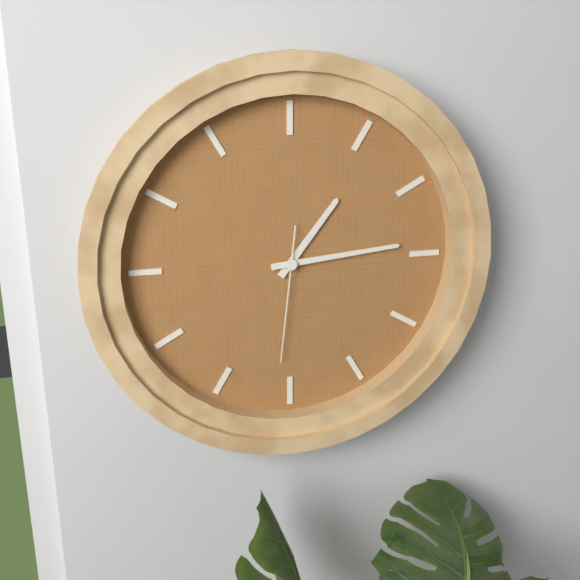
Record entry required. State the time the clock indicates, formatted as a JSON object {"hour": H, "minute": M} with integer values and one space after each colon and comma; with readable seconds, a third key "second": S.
{"hour": 1, "minute": 14, "second": 31}
